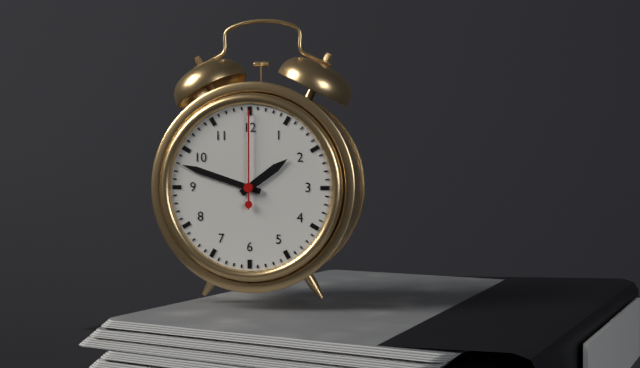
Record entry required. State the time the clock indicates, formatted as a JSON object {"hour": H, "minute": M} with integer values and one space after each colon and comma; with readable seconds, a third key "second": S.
{"hour": 1, "minute": 48, "second": 0}
